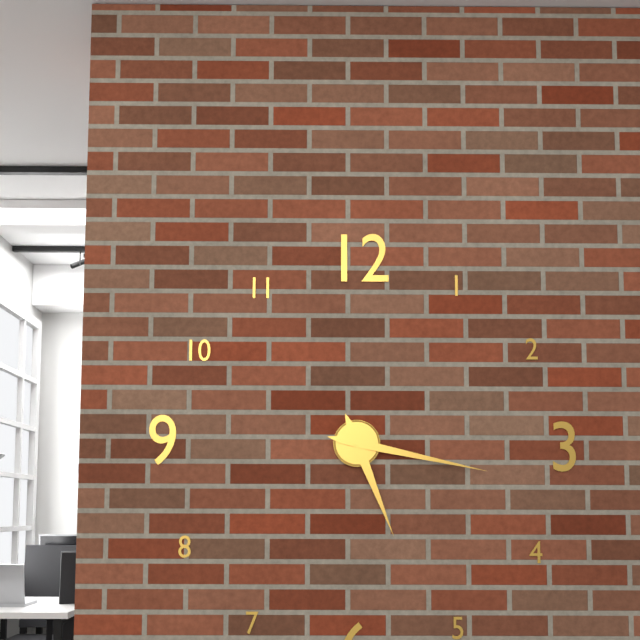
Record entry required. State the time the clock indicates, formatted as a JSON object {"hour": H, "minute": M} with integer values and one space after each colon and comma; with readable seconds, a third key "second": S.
{"hour": 5, "minute": 17}
